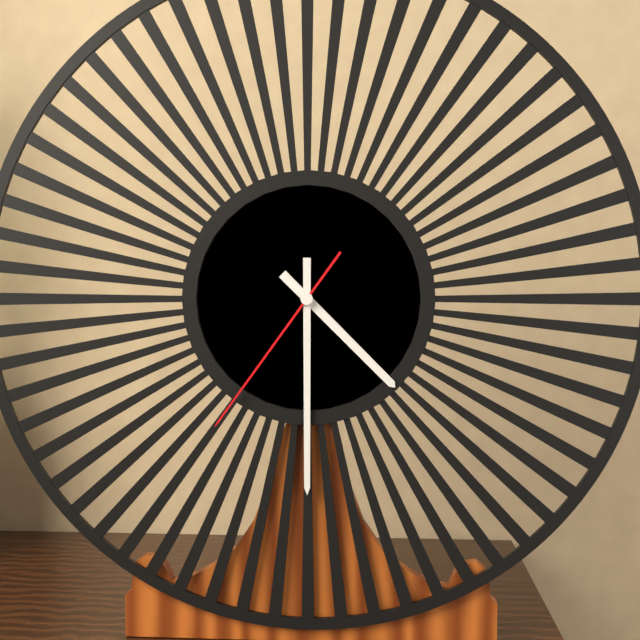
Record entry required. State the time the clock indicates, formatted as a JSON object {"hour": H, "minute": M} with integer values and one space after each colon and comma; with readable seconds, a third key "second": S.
{"hour": 4, "minute": 30, "second": 36}
